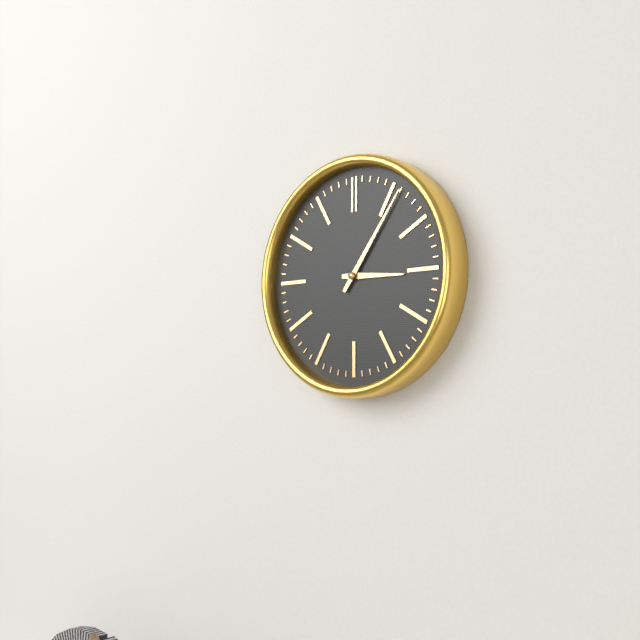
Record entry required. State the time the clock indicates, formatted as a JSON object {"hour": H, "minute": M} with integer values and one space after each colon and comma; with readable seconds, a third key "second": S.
{"hour": 3, "minute": 6}
